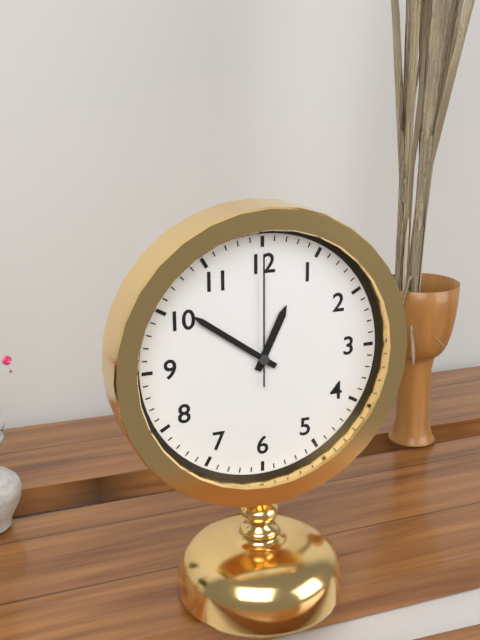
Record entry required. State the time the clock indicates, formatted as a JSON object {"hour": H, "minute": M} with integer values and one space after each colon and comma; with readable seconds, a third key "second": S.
{"hour": 12, "minute": 51, "second": 0}
